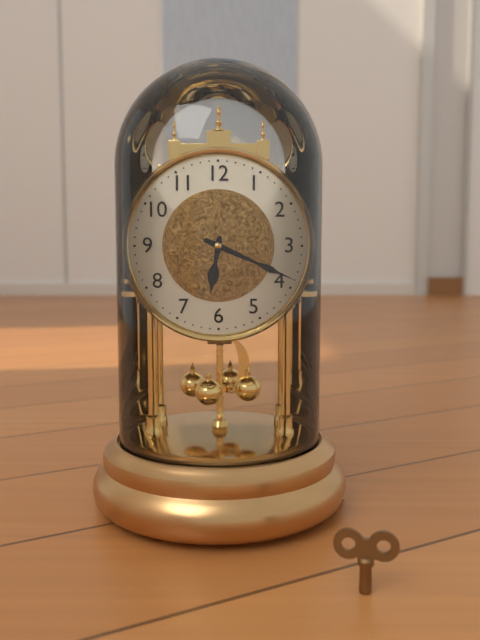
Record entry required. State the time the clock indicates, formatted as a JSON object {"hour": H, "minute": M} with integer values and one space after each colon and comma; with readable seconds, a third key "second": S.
{"hour": 6, "minute": 19}
